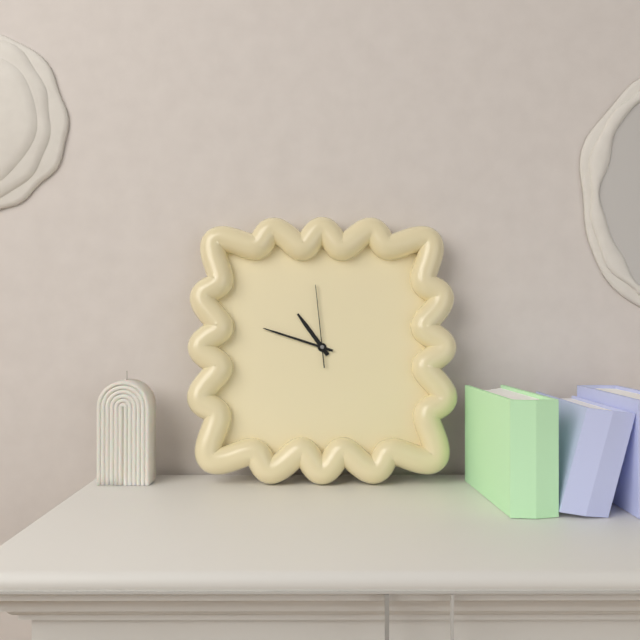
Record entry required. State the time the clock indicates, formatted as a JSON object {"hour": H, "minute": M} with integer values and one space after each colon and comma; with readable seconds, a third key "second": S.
{"hour": 10, "minute": 48, "second": 59}
